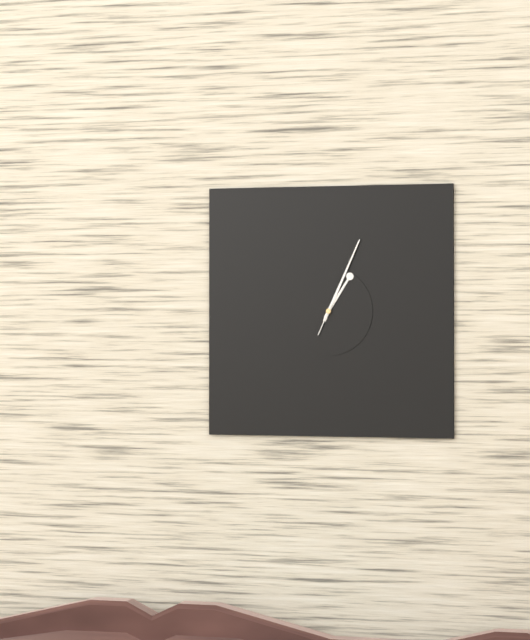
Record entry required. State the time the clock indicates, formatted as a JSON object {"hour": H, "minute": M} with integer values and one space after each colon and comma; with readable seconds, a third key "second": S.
{"hour": 1, "minute": 4}
